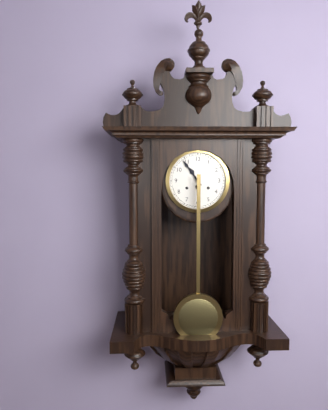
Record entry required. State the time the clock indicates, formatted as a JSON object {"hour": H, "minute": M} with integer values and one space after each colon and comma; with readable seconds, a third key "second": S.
{"hour": 10, "minute": 54}
